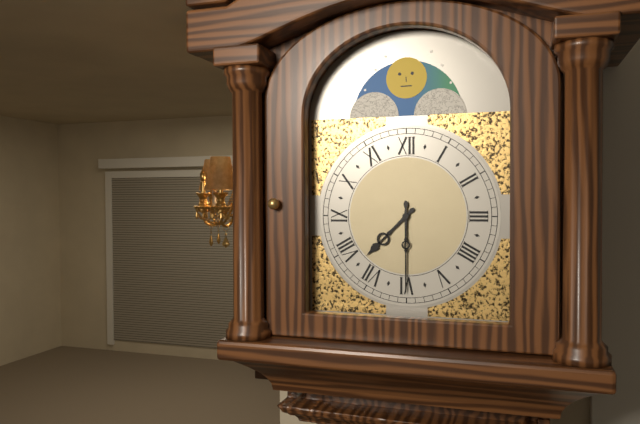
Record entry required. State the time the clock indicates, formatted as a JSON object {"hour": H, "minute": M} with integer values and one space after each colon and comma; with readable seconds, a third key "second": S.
{"hour": 7, "minute": 30}
